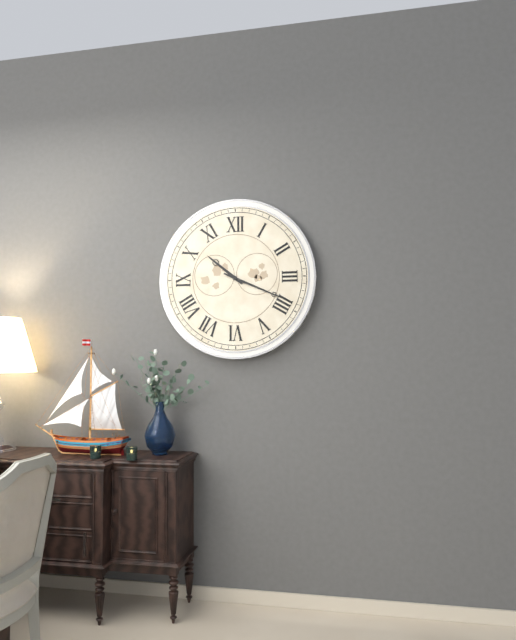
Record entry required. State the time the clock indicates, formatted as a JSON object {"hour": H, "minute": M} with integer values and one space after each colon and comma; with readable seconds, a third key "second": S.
{"hour": 10, "minute": 19}
